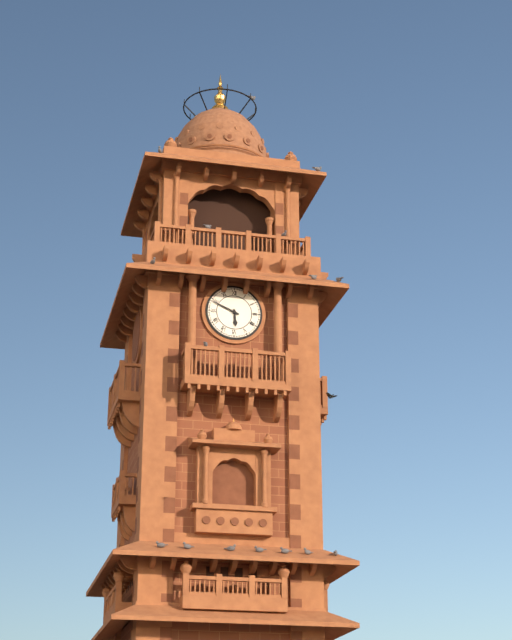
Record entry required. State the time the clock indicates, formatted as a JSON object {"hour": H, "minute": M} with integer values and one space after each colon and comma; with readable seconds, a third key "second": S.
{"hour": 5, "minute": 49}
